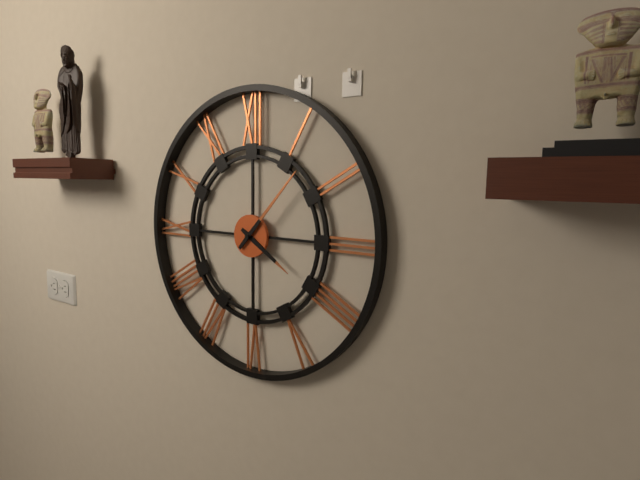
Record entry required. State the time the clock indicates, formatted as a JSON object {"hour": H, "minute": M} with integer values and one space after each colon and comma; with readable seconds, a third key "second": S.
{"hour": 4, "minute": 7}
